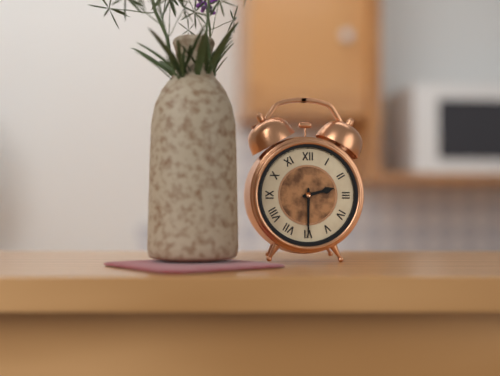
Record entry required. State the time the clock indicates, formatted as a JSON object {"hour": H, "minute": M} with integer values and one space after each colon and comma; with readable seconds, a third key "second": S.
{"hour": 2, "minute": 30}
